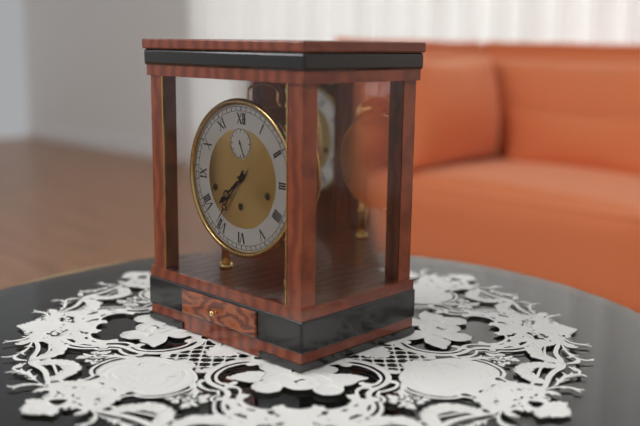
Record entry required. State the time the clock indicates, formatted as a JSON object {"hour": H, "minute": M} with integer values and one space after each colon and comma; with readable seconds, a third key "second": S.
{"hour": 7, "minute": 36}
